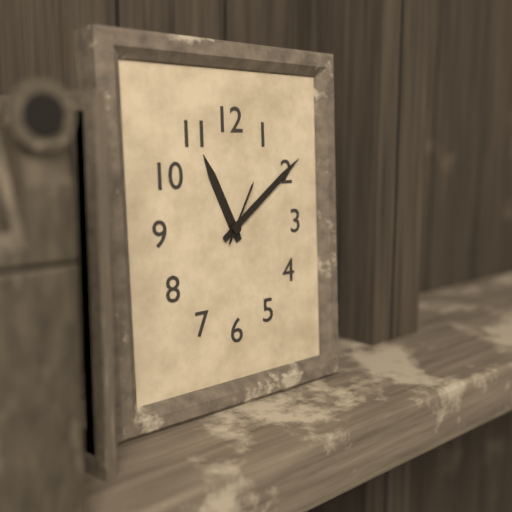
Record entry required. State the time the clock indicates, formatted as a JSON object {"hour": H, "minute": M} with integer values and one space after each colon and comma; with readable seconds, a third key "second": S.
{"hour": 11, "minute": 9, "second": 5}
